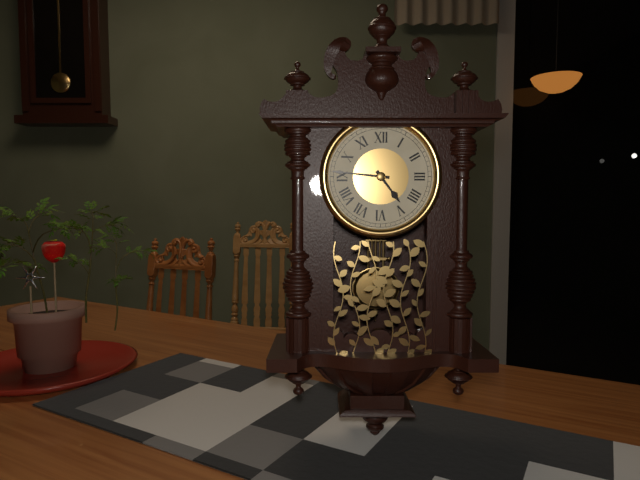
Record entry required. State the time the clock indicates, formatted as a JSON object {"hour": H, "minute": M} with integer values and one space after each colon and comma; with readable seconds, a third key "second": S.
{"hour": 4, "minute": 46}
